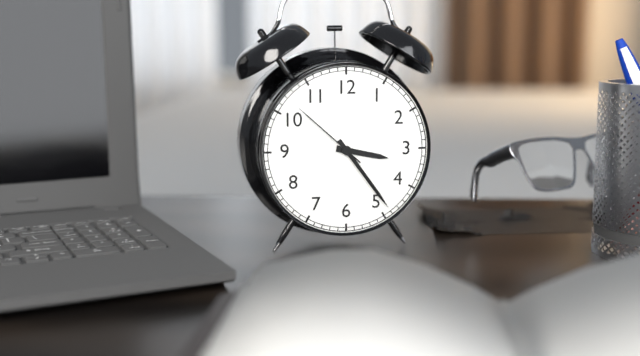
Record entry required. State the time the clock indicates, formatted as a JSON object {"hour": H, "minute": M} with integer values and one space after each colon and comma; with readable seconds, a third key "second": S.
{"hour": 3, "minute": 24, "second": 52}
